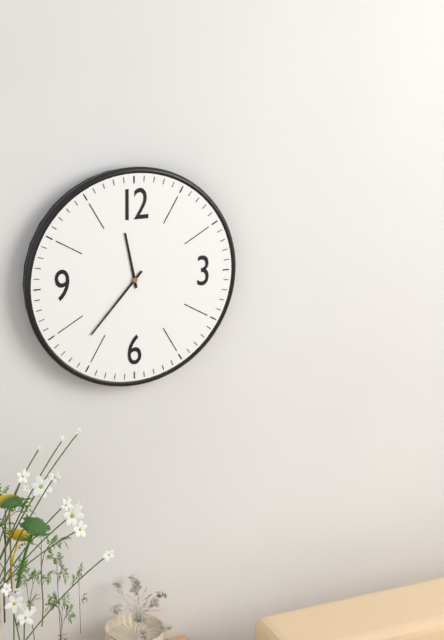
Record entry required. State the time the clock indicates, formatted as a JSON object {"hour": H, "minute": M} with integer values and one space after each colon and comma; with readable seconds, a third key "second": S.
{"hour": 11, "minute": 37}
